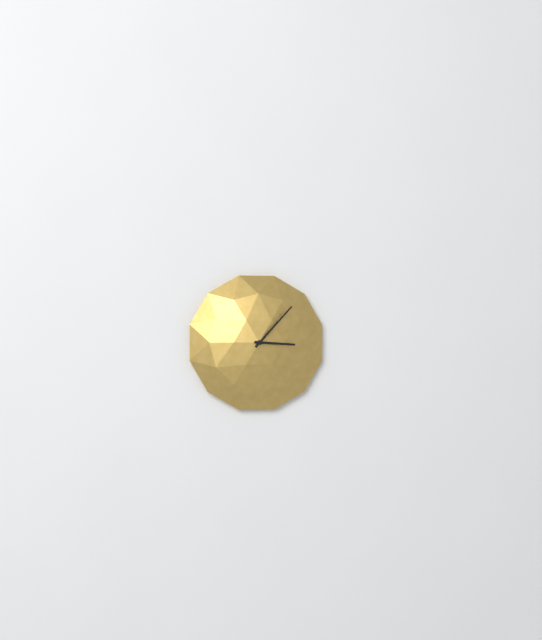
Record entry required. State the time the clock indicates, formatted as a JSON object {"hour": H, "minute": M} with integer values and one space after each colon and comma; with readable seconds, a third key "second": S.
{"hour": 3, "minute": 7}
